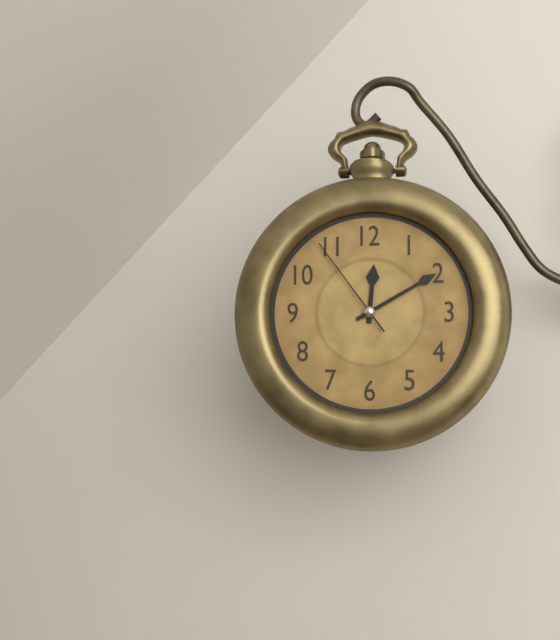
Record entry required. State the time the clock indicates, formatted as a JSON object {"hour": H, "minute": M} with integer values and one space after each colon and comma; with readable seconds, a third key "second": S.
{"hour": 12, "minute": 10, "second": 54}
